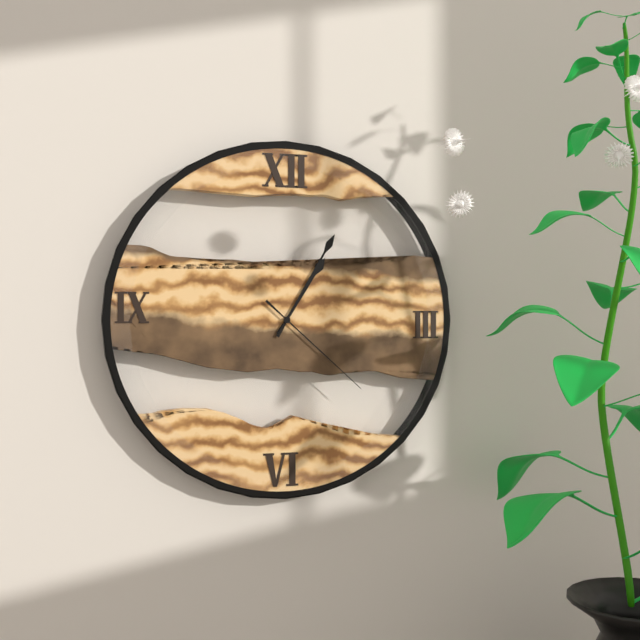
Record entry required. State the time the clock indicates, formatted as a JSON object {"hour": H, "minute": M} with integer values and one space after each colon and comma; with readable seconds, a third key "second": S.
{"hour": 1, "minute": 5, "second": 22}
